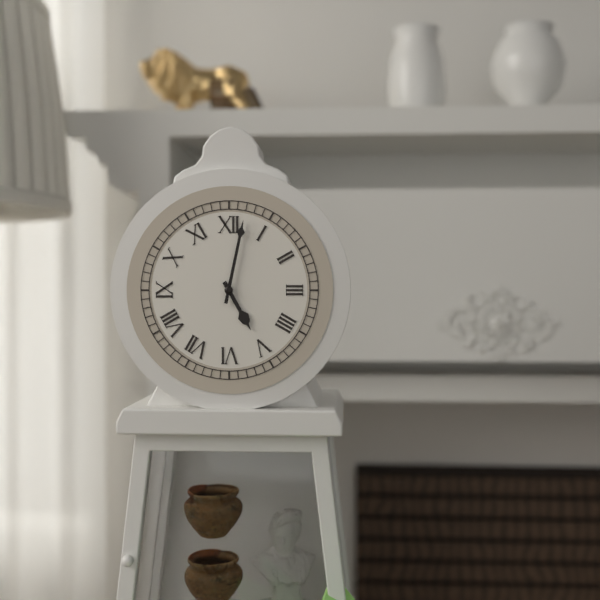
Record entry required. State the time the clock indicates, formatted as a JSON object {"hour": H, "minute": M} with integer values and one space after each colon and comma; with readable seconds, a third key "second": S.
{"hour": 5, "minute": 2}
